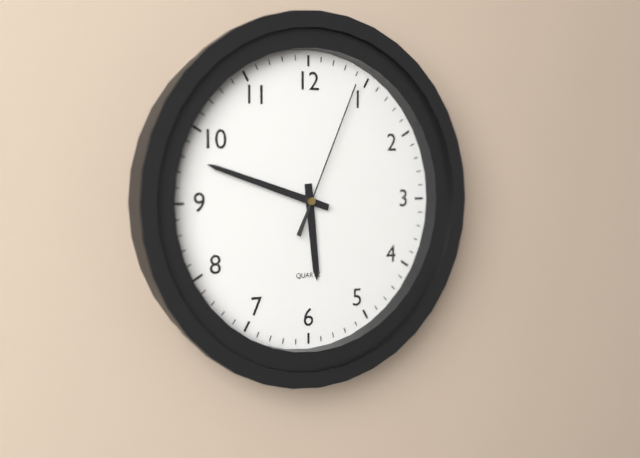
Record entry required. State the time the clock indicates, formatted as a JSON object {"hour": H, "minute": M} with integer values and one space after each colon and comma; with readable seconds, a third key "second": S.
{"hour": 5, "minute": 48, "second": 4}
